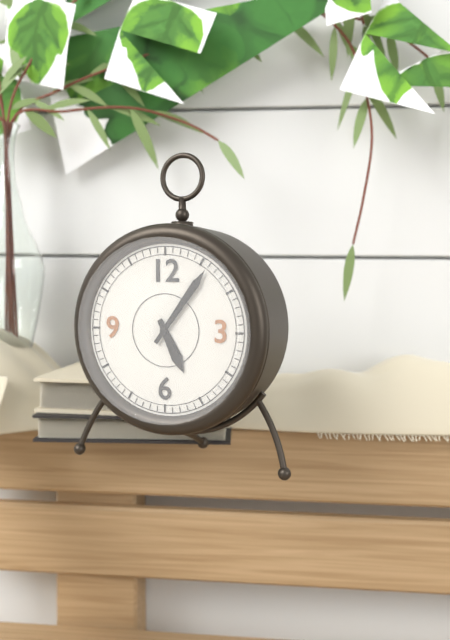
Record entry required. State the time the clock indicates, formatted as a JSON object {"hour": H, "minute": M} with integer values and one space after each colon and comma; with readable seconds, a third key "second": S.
{"hour": 5, "minute": 6}
